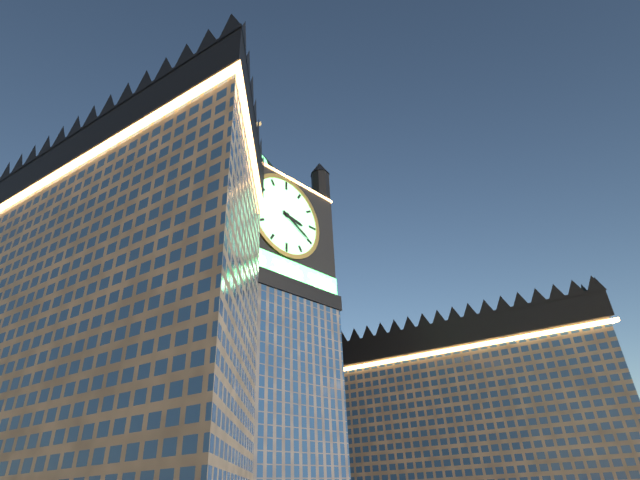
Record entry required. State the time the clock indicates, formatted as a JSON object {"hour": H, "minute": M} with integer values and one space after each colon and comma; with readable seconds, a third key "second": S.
{"hour": 3, "minute": 20}
